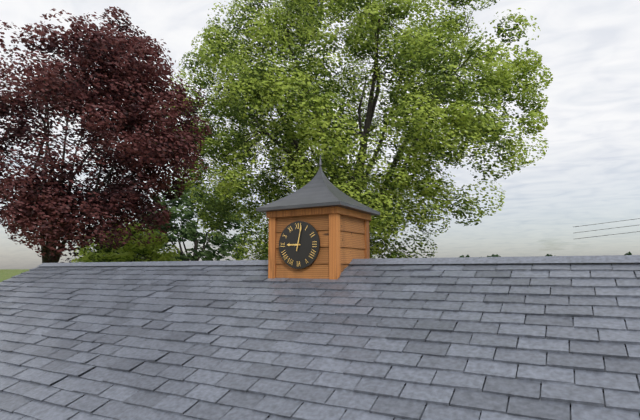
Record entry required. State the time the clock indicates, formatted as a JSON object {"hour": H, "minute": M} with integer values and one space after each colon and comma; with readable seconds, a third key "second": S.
{"hour": 9, "minute": 2}
